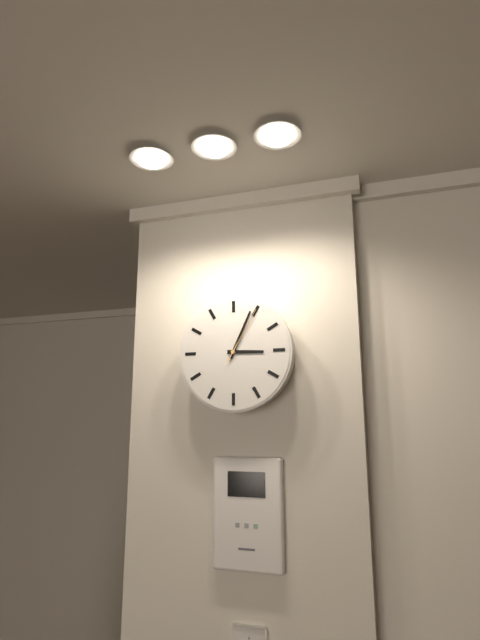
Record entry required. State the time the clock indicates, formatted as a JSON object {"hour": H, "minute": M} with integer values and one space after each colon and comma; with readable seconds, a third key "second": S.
{"hour": 3, "minute": 4, "second": 5}
